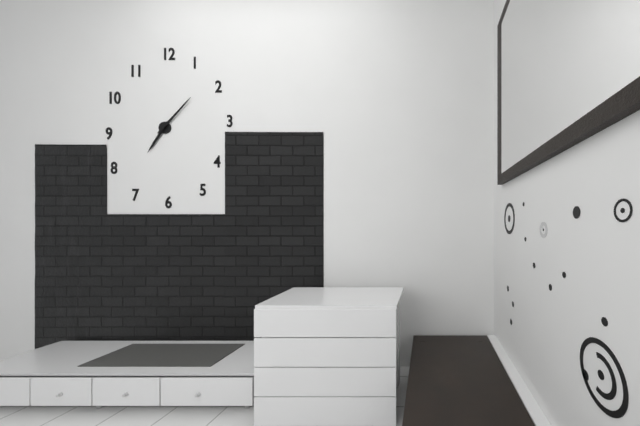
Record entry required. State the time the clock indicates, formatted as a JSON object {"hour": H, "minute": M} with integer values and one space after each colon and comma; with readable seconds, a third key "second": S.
{"hour": 7, "minute": 7}
